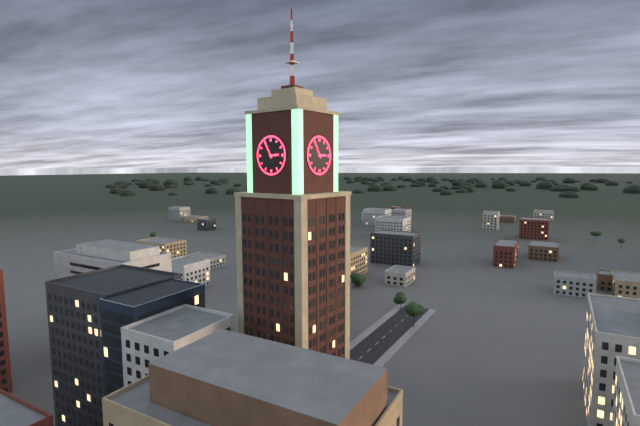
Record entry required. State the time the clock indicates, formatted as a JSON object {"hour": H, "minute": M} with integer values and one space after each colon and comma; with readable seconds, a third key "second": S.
{"hour": 2, "minute": 55}
